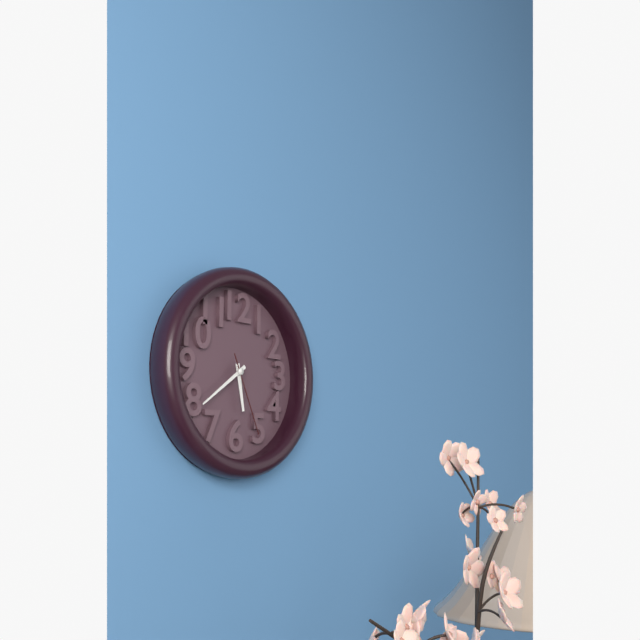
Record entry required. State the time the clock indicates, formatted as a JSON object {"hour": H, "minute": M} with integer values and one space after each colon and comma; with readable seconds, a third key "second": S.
{"hour": 5, "minute": 39, "second": 26}
